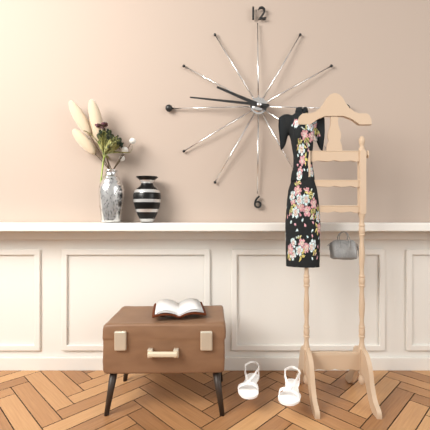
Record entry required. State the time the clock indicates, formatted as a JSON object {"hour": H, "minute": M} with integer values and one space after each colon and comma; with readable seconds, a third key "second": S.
{"hour": 9, "minute": 46}
